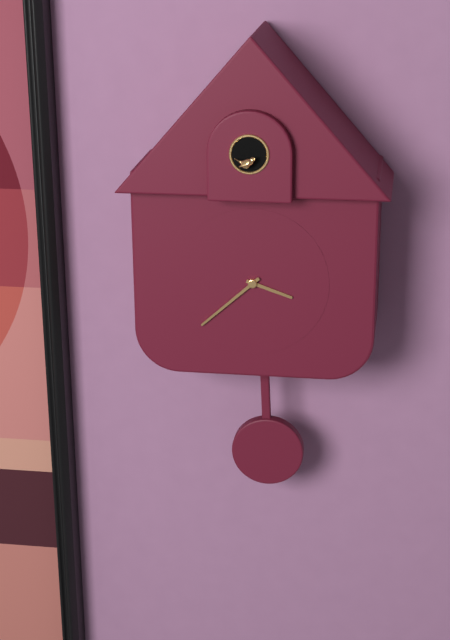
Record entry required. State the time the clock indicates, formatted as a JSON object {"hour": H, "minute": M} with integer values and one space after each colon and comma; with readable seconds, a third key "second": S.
{"hour": 3, "minute": 38}
